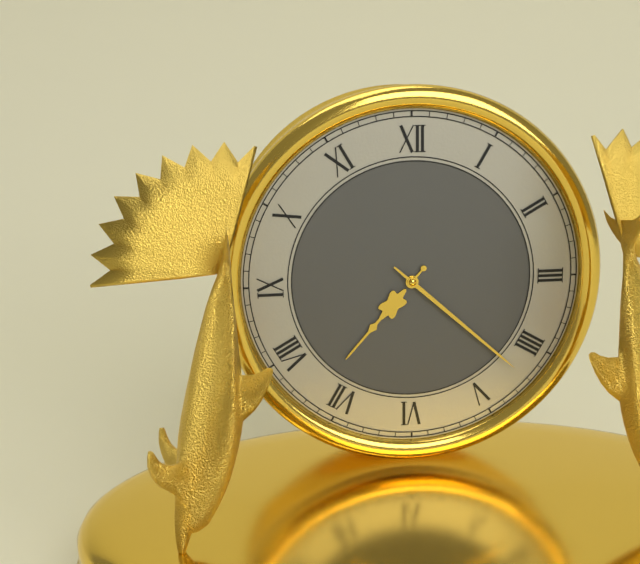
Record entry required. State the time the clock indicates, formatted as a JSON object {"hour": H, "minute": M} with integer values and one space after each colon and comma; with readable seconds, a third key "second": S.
{"hour": 7, "minute": 22}
